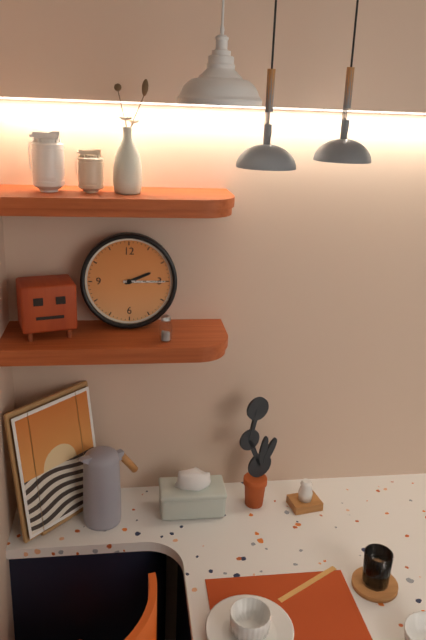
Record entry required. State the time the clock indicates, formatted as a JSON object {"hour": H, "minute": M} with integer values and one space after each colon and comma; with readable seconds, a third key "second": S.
{"hour": 2, "minute": 15}
